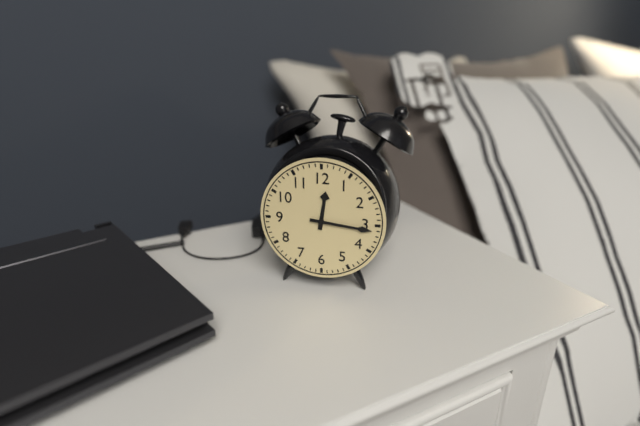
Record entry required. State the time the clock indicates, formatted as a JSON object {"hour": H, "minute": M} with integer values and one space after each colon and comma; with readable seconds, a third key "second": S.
{"hour": 12, "minute": 16}
